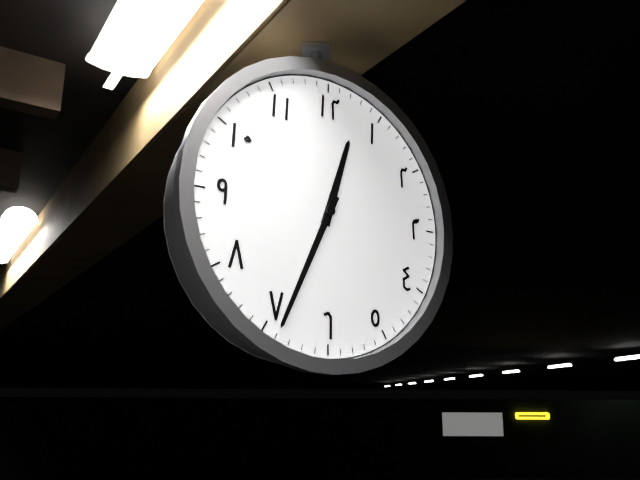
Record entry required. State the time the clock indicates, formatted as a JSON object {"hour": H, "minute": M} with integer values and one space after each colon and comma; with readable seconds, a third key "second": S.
{"hour": 12, "minute": 34}
